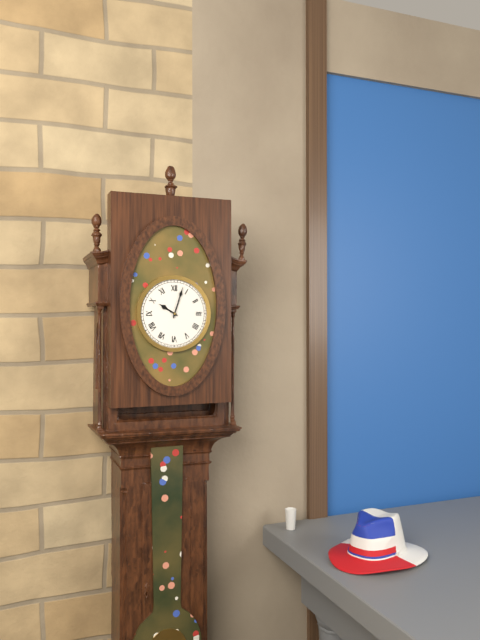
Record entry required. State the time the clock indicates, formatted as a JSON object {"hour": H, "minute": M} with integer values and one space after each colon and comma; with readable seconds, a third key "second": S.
{"hour": 10, "minute": 3}
